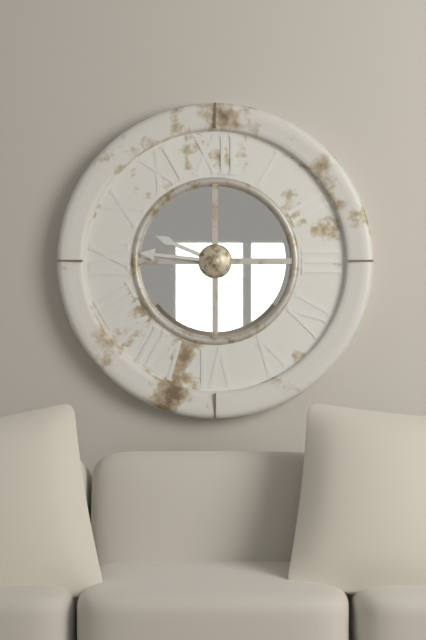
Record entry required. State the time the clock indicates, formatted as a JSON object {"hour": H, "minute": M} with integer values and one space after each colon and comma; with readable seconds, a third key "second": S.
{"hour": 9, "minute": 46}
